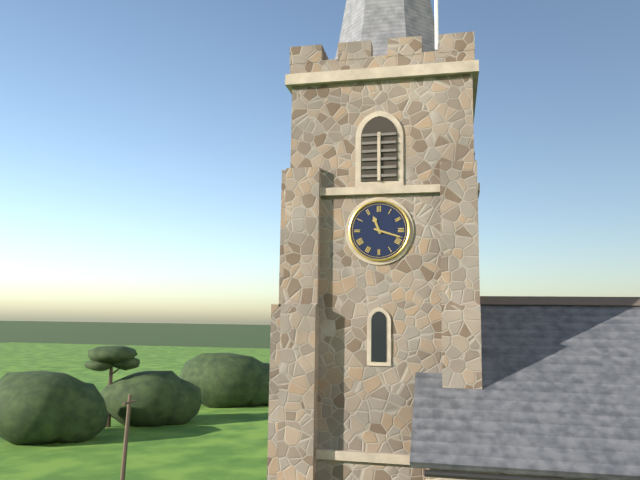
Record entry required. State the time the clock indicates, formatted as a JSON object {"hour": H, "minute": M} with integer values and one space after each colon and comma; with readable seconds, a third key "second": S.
{"hour": 11, "minute": 18}
